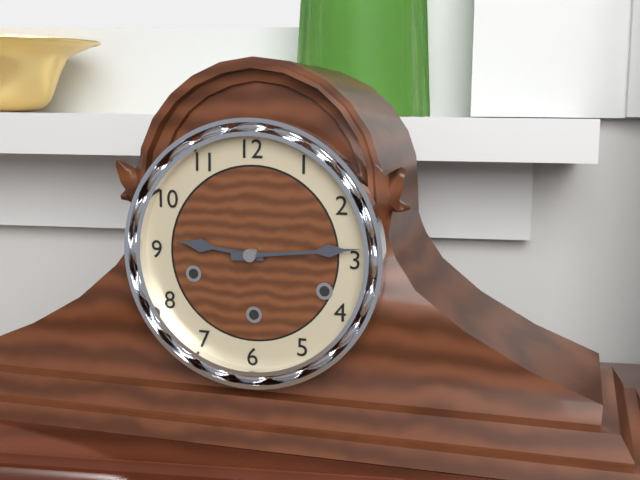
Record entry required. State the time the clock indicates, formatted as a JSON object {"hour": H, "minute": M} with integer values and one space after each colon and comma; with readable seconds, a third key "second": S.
{"hour": 9, "minute": 14}
